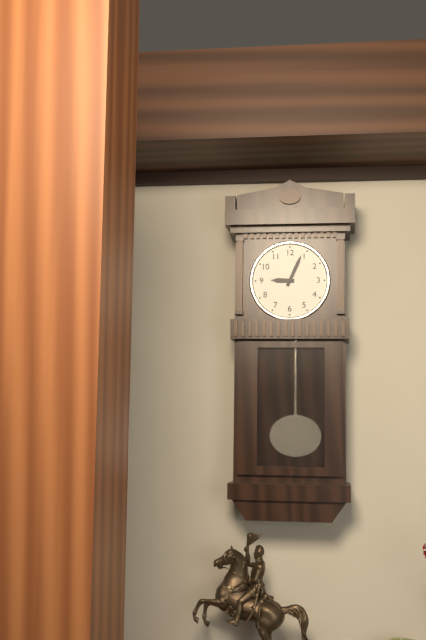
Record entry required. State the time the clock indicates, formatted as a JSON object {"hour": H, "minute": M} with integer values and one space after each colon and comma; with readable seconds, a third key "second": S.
{"hour": 9, "minute": 4}
